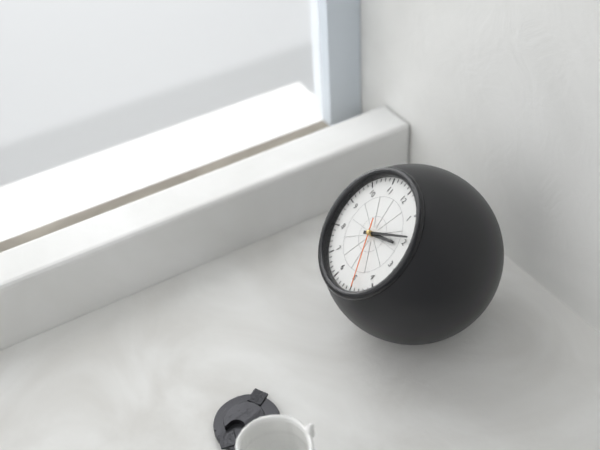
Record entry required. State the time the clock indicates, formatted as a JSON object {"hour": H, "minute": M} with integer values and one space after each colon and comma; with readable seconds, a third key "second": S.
{"hour": 2, "minute": 9, "second": 24}
